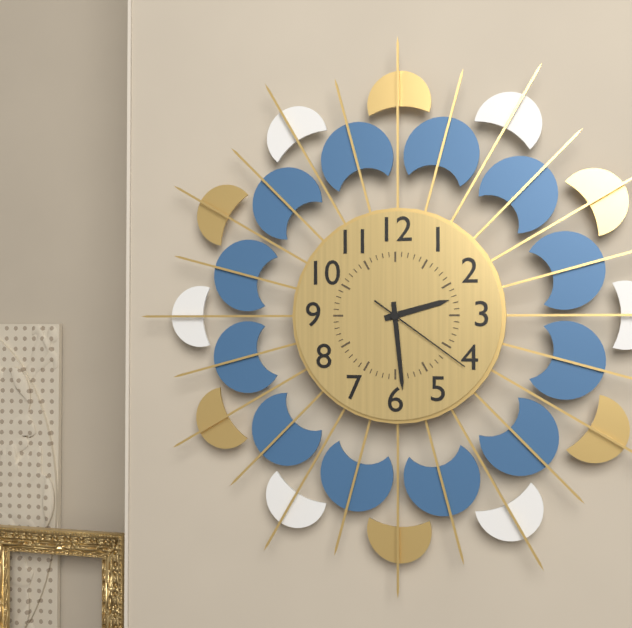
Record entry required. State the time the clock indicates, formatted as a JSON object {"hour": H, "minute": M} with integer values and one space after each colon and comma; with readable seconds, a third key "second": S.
{"hour": 2, "minute": 29, "second": 21}
